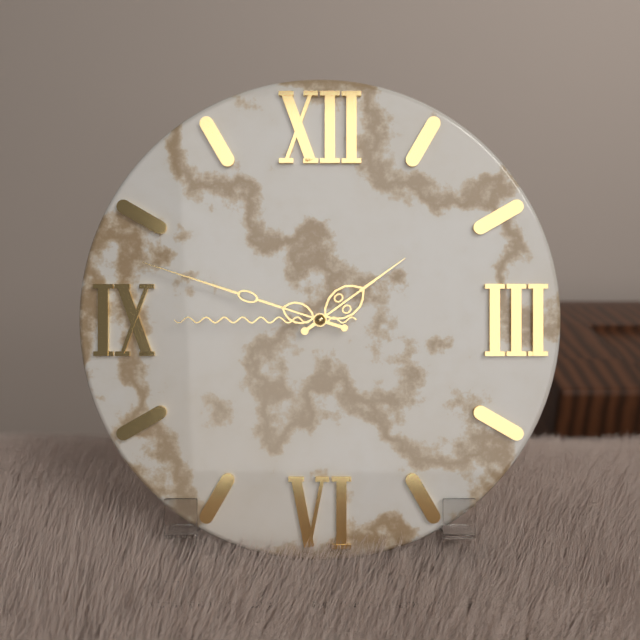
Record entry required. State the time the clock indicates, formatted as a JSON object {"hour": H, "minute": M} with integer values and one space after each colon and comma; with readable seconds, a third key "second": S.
{"hour": 1, "minute": 48, "second": 45}
